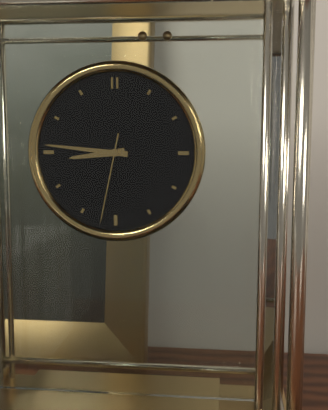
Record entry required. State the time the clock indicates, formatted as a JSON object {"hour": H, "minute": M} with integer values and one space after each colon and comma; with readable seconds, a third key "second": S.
{"hour": 8, "minute": 46, "second": 32}
